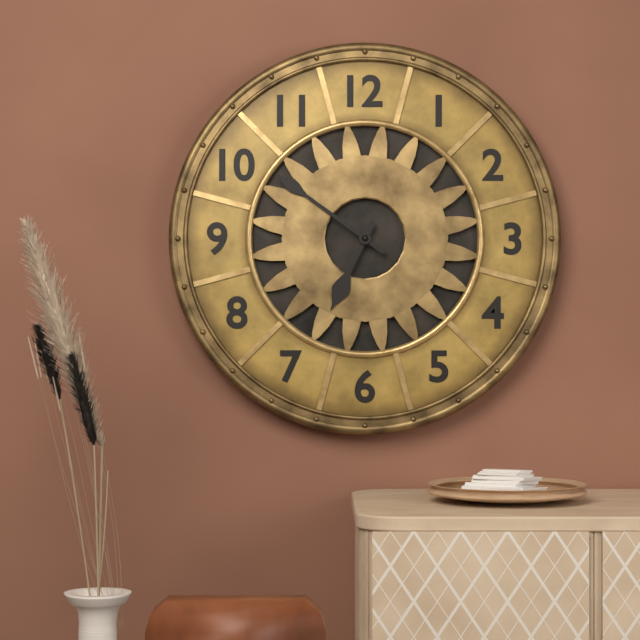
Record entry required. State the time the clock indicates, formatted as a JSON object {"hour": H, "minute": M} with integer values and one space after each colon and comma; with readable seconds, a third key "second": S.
{"hour": 6, "minute": 51}
